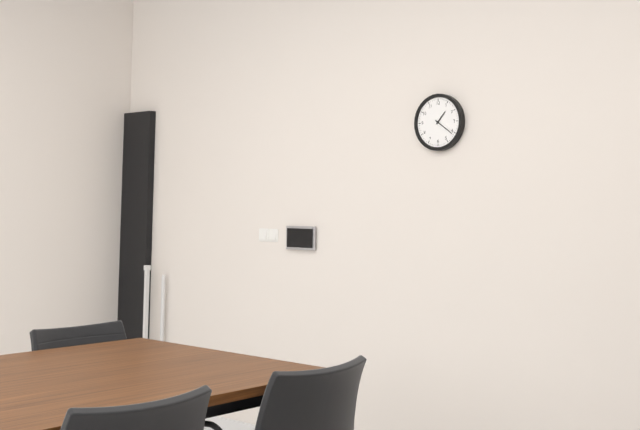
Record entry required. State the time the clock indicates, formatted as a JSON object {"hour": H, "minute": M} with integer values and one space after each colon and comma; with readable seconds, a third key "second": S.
{"hour": 1, "minute": 21}
